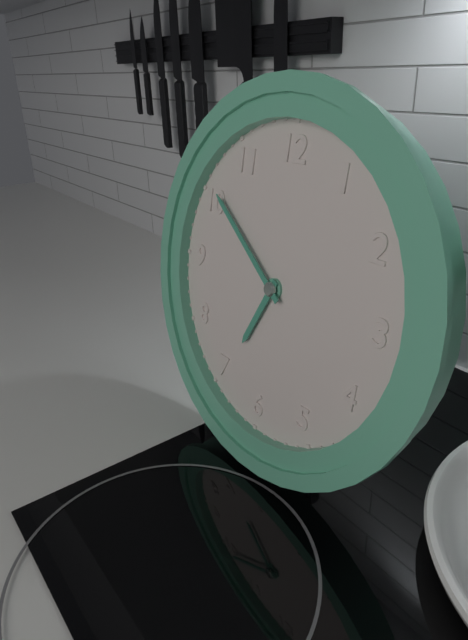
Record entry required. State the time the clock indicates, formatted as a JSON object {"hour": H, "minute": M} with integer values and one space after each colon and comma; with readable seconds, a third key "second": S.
{"hour": 6, "minute": 51}
